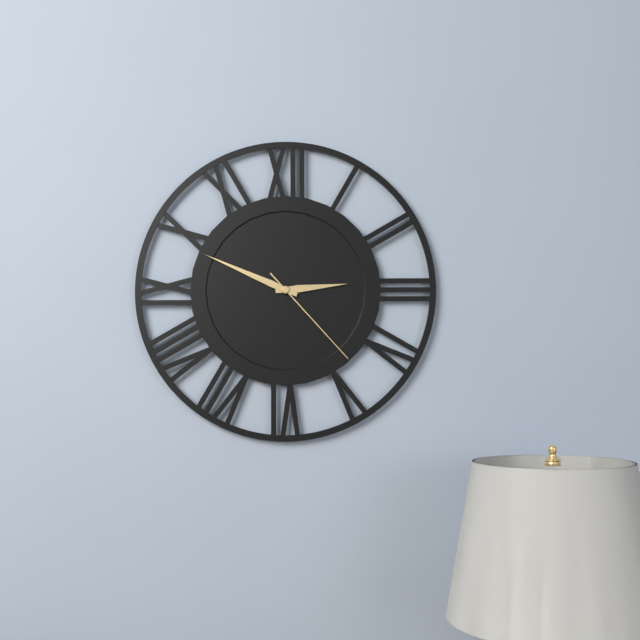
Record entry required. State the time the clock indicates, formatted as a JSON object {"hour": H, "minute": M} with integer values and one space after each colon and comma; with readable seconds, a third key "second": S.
{"hour": 2, "minute": 49, "second": 23}
